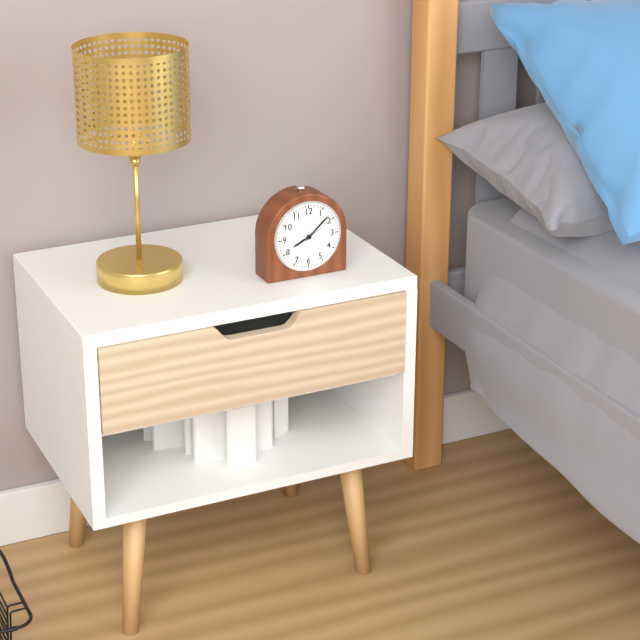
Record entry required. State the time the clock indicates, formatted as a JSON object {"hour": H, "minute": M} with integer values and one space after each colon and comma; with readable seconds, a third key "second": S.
{"hour": 8, "minute": 8}
